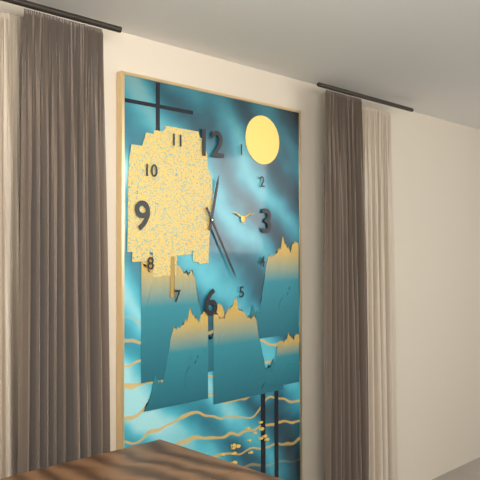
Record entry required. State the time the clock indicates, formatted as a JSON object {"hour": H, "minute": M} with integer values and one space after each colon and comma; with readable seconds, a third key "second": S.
{"hour": 12, "minute": 25}
